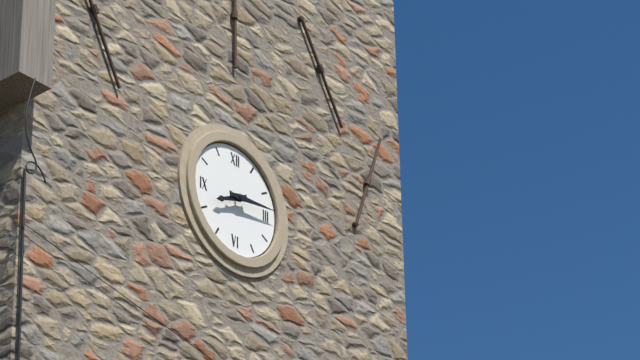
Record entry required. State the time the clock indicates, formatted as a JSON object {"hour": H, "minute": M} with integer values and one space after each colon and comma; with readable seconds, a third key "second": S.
{"hour": 8, "minute": 14}
